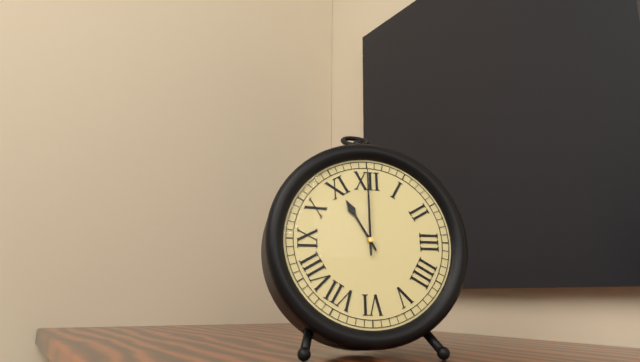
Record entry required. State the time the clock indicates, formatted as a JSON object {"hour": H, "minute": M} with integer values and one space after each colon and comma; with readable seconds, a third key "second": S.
{"hour": 11, "minute": 0}
